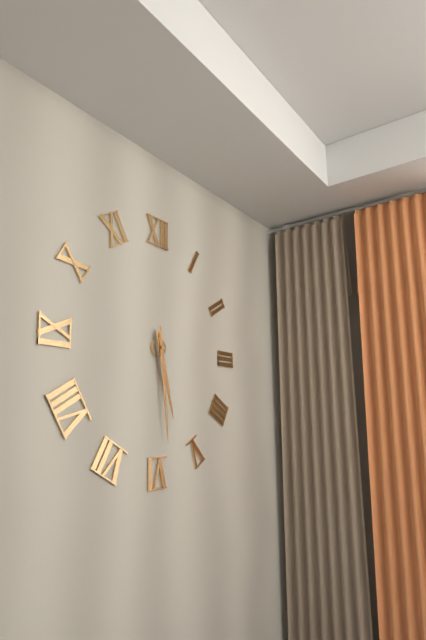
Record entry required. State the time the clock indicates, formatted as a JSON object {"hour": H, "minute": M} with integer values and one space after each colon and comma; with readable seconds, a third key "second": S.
{"hour": 5, "minute": 29}
